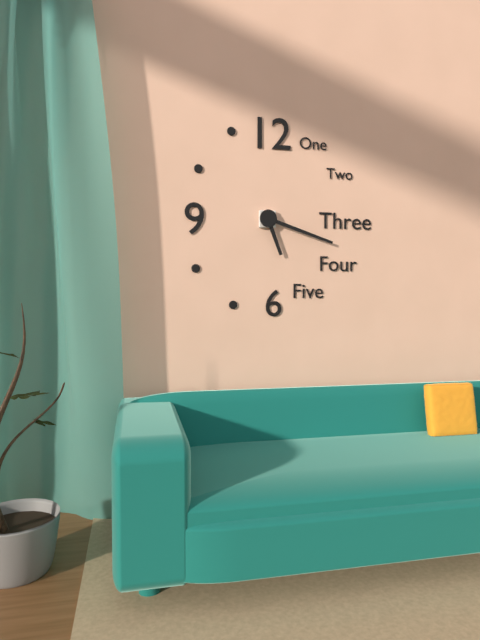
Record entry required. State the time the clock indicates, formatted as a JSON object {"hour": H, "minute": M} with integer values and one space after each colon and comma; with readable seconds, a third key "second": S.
{"hour": 5, "minute": 18}
